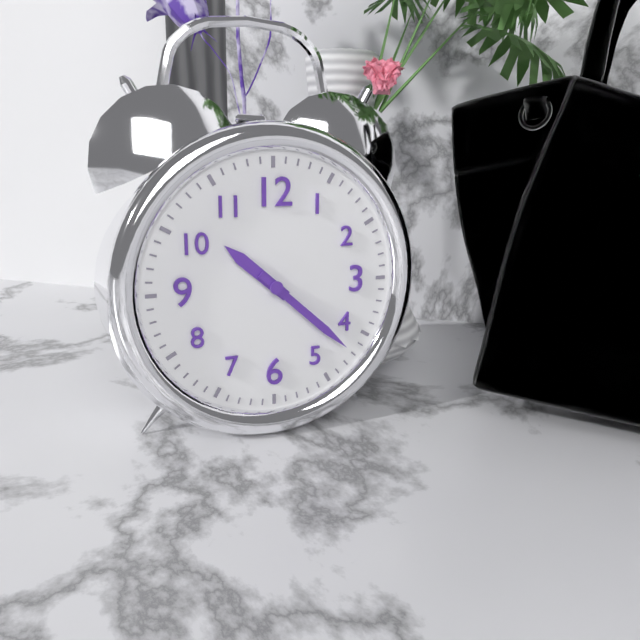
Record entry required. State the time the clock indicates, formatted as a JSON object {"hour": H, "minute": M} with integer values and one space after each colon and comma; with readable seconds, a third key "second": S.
{"hour": 10, "minute": 22}
